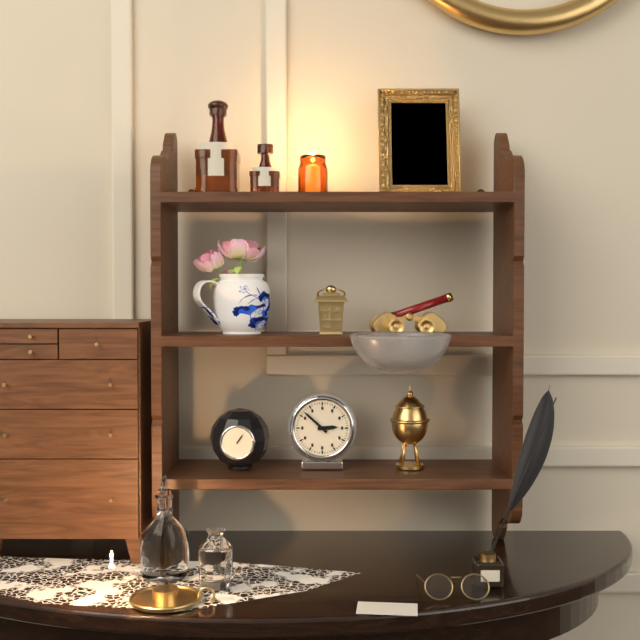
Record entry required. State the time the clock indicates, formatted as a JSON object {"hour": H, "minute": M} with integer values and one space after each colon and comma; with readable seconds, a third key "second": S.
{"hour": 2, "minute": 52}
